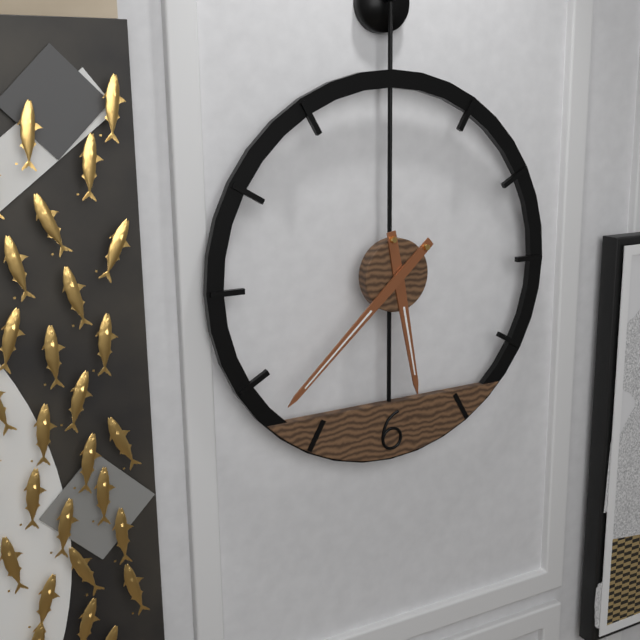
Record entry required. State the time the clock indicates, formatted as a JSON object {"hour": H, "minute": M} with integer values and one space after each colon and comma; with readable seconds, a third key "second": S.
{"hour": 5, "minute": 38}
